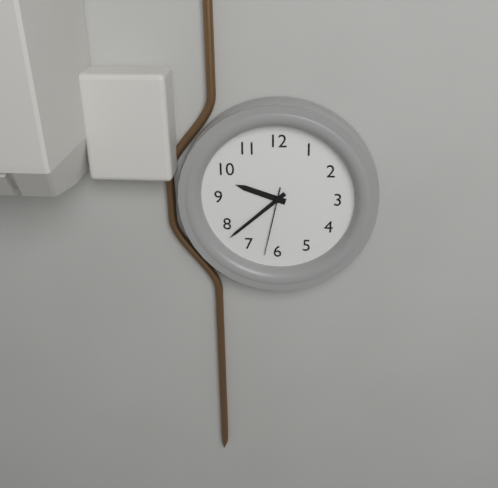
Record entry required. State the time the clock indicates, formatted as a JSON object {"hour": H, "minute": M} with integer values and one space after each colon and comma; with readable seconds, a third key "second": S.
{"hour": 9, "minute": 38, "second": 32}
